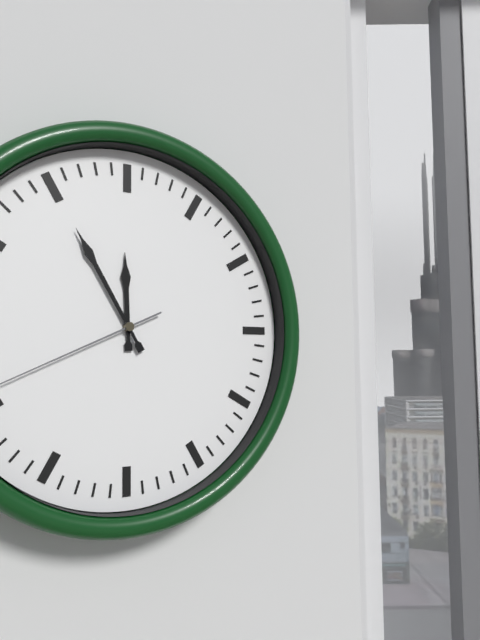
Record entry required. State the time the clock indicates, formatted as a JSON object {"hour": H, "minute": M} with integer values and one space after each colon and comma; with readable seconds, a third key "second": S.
{"hour": 11, "minute": 55}
